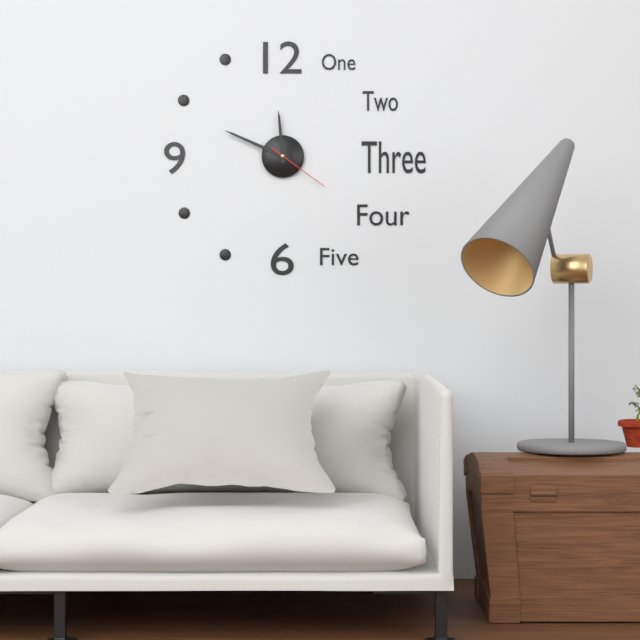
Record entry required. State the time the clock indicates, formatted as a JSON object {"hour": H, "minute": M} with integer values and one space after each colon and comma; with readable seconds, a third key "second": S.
{"hour": 11, "minute": 49, "second": 21}
